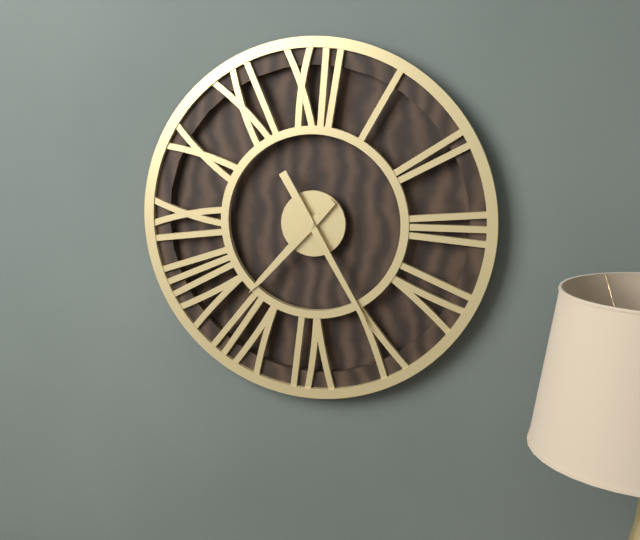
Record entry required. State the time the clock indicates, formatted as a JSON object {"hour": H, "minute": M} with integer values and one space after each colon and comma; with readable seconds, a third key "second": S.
{"hour": 7, "minute": 25}
